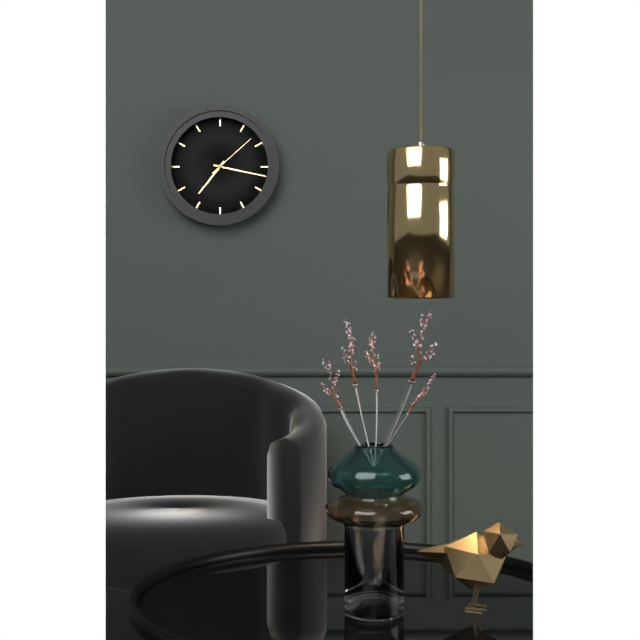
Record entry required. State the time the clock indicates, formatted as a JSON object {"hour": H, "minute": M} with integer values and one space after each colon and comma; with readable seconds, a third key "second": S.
{"hour": 7, "minute": 17, "second": 8}
